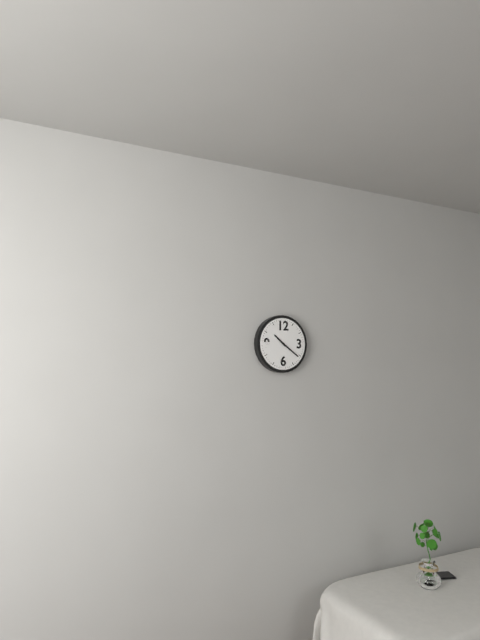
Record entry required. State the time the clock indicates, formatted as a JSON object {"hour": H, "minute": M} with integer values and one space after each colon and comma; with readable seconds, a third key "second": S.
{"hour": 10, "minute": 21}
